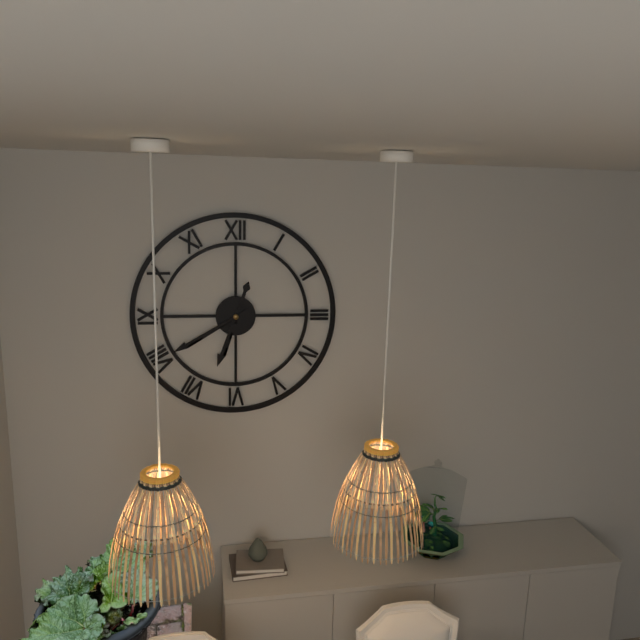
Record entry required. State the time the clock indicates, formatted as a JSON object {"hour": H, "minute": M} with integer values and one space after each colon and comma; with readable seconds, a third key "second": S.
{"hour": 6, "minute": 40}
